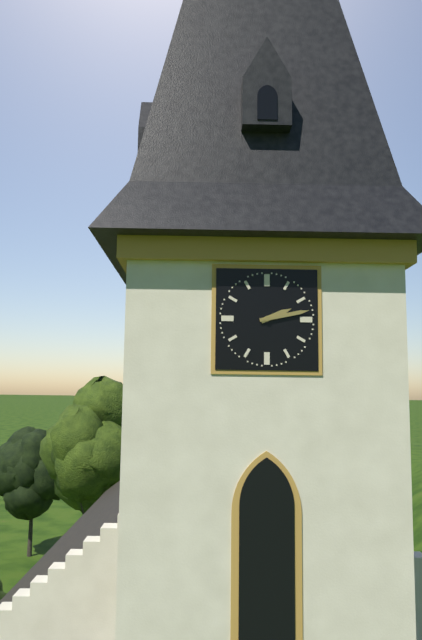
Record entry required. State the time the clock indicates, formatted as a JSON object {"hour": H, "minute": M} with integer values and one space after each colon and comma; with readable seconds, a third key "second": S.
{"hour": 2, "minute": 13}
